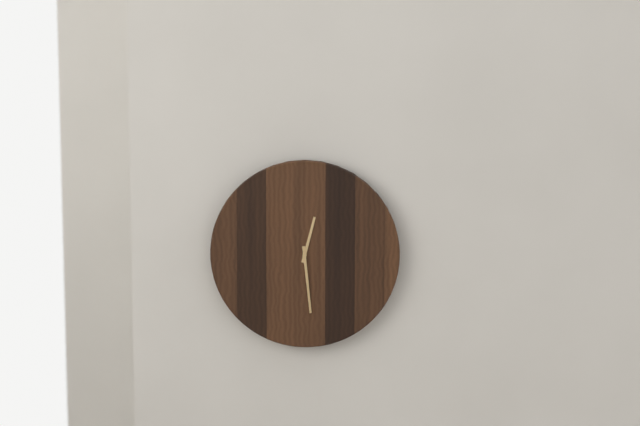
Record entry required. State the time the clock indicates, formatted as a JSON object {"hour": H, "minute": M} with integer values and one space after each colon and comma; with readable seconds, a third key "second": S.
{"hour": 12, "minute": 29}
